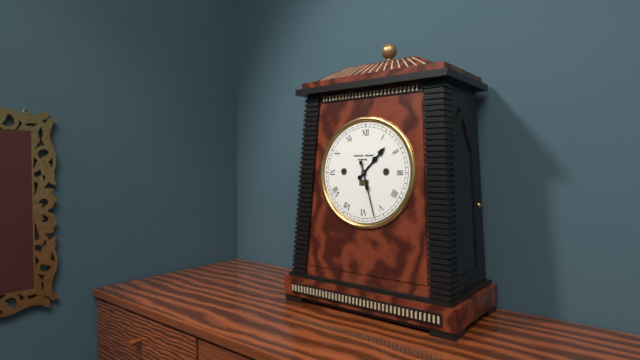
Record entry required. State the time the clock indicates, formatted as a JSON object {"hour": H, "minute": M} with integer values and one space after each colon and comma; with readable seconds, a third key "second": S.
{"hour": 1, "minute": 27}
